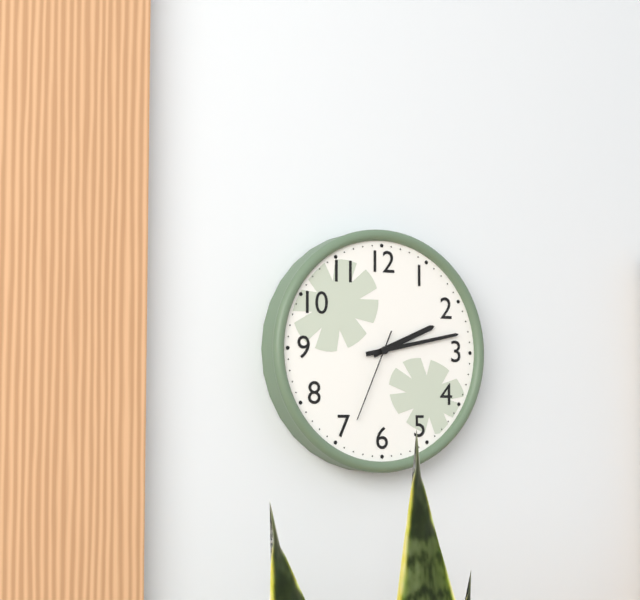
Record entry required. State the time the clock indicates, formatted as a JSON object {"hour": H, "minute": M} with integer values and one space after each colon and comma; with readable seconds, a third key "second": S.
{"hour": 2, "minute": 13, "second": 34}
